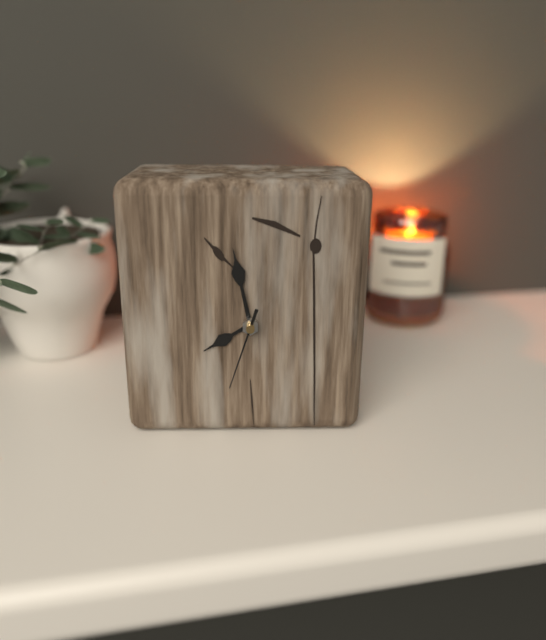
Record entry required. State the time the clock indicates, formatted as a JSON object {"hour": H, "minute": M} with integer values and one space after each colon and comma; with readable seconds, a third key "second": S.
{"hour": 7, "minute": 58, "second": 33}
